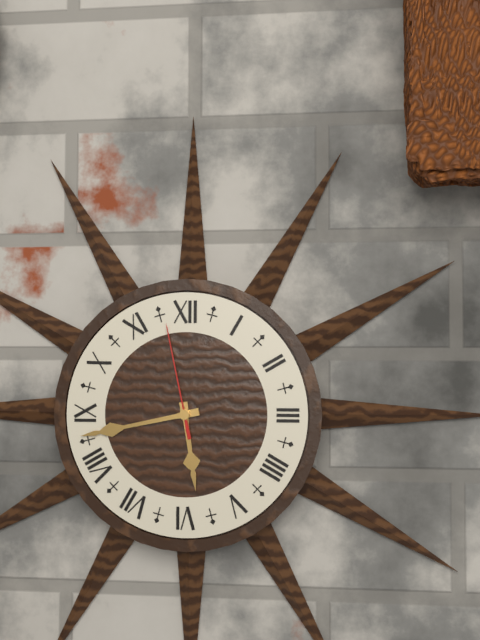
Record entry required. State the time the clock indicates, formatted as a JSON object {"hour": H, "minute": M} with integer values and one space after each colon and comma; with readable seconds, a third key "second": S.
{"hour": 5, "minute": 43, "second": 58}
